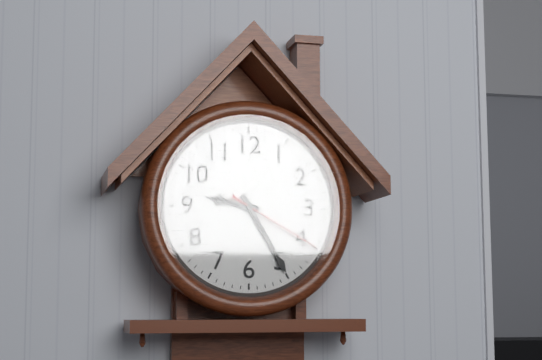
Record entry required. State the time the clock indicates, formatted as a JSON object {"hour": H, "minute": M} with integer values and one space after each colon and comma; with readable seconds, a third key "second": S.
{"hour": 9, "minute": 25, "second": 20}
